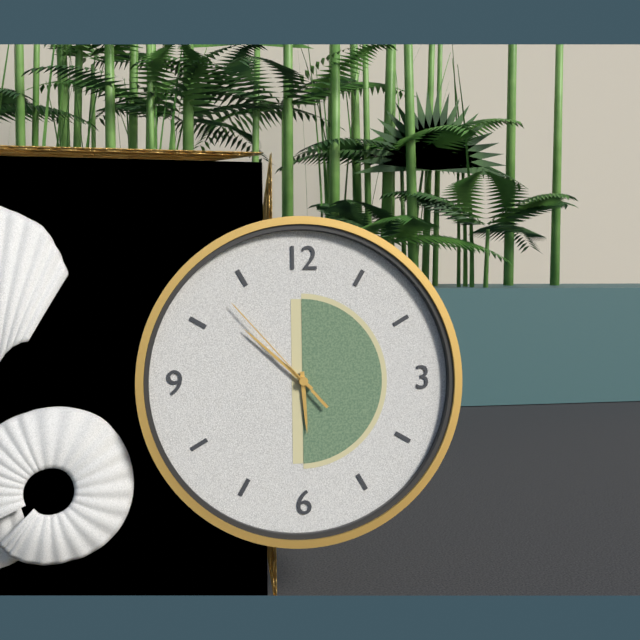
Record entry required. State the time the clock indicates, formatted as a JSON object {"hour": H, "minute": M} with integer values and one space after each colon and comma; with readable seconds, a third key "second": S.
{"hour": 5, "minute": 52, "second": 53}
